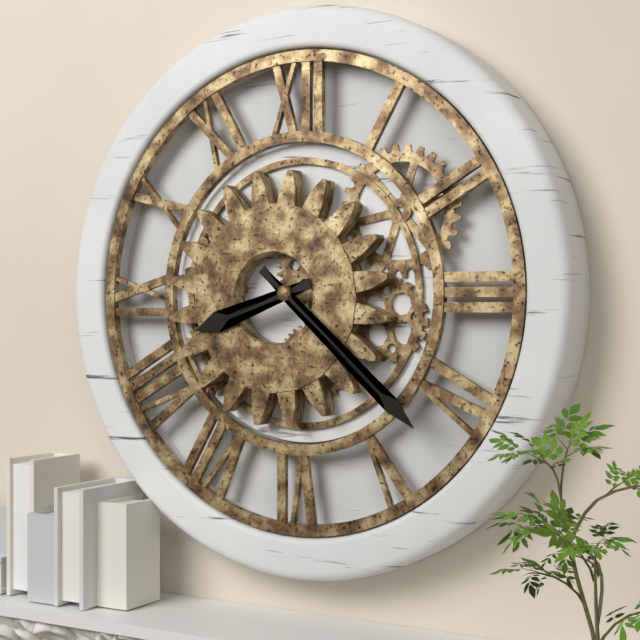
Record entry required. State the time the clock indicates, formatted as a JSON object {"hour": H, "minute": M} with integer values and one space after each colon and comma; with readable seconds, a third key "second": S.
{"hour": 8, "minute": 22}
